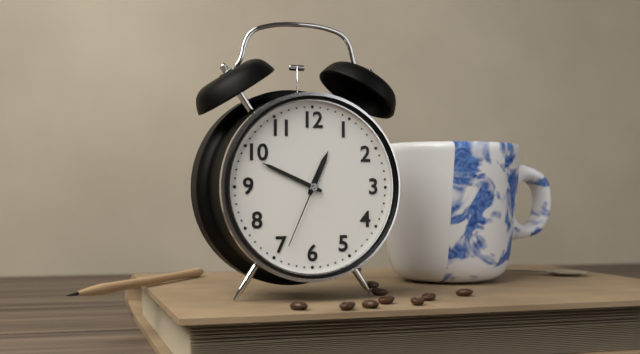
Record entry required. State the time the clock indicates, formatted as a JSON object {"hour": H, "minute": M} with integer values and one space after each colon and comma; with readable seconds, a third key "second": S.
{"hour": 12, "minute": 49, "second": 34}
